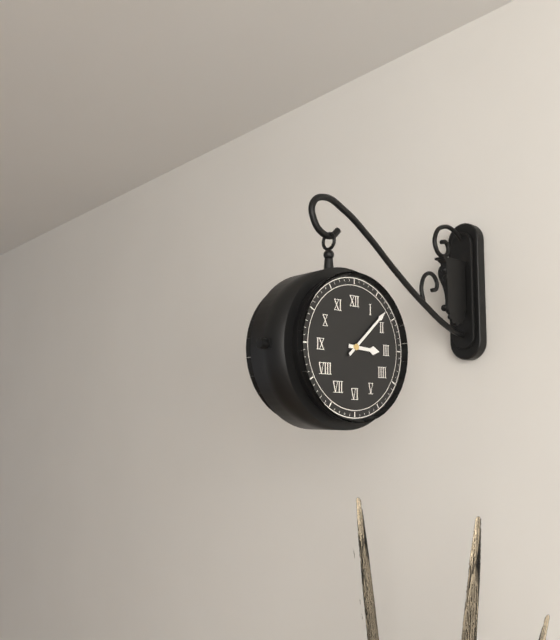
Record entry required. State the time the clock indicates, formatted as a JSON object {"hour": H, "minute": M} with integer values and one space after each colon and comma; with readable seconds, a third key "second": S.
{"hour": 3, "minute": 8}
